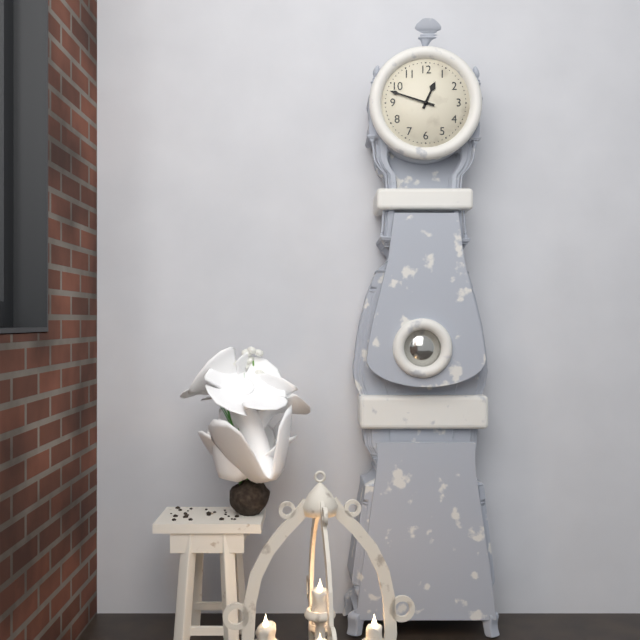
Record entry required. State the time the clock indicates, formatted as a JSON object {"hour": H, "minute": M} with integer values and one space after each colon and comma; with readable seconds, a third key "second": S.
{"hour": 12, "minute": 48}
